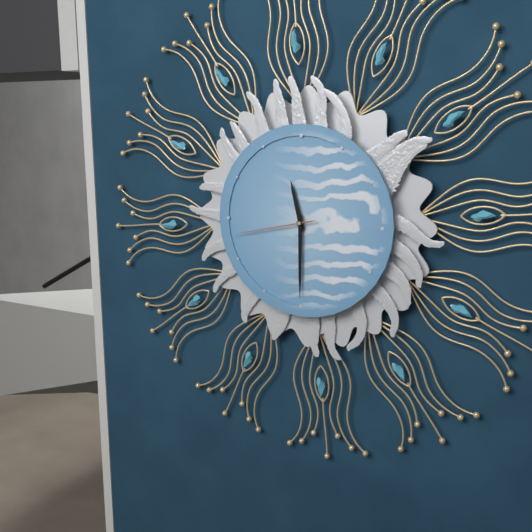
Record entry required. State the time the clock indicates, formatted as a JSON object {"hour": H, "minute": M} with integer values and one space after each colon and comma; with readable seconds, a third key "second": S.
{"hour": 11, "minute": 30, "second": 43}
